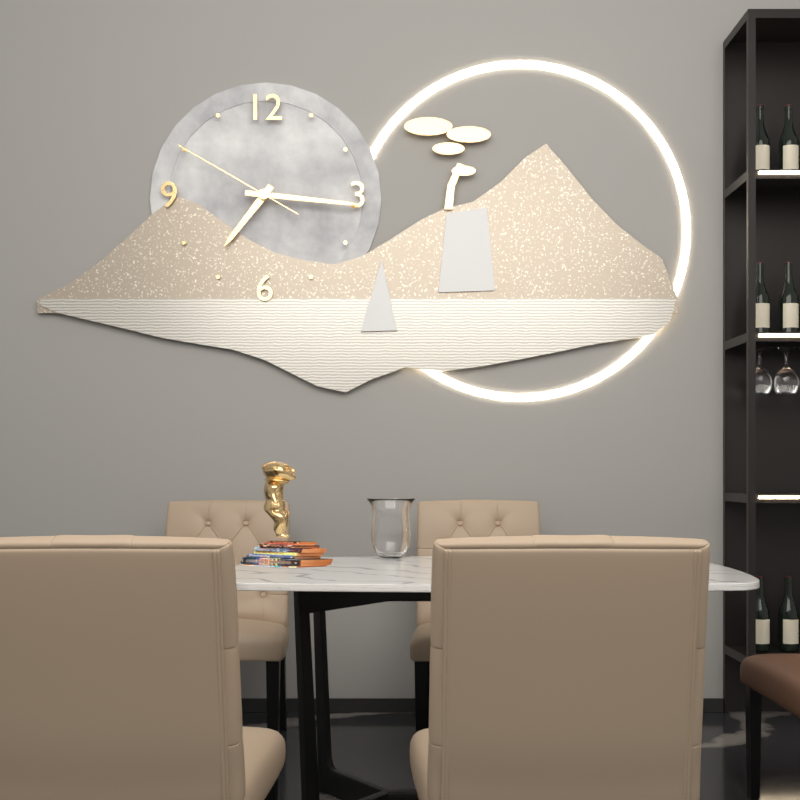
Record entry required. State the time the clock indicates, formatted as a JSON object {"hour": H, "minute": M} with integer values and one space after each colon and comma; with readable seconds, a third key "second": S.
{"hour": 7, "minute": 16, "second": 50}
